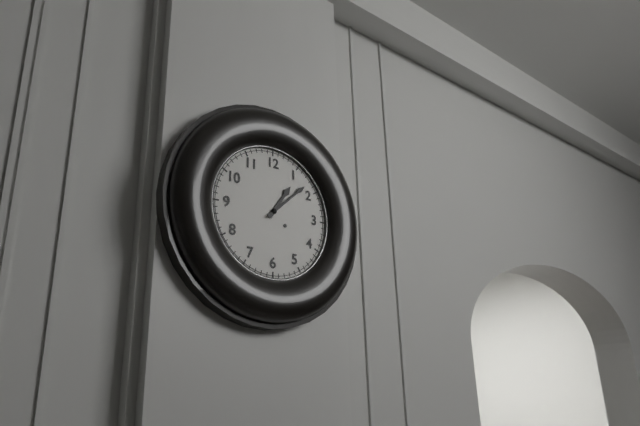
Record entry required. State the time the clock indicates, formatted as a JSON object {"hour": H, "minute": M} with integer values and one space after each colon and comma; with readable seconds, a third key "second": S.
{"hour": 1, "minute": 8}
